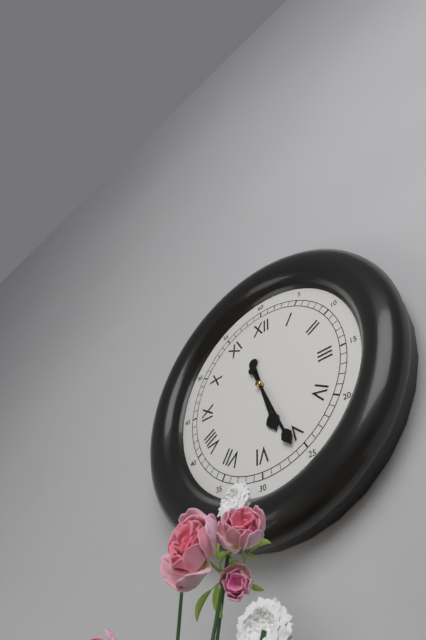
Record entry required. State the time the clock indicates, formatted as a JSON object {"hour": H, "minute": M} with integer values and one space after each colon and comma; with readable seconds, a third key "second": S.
{"hour": 5, "minute": 26}
